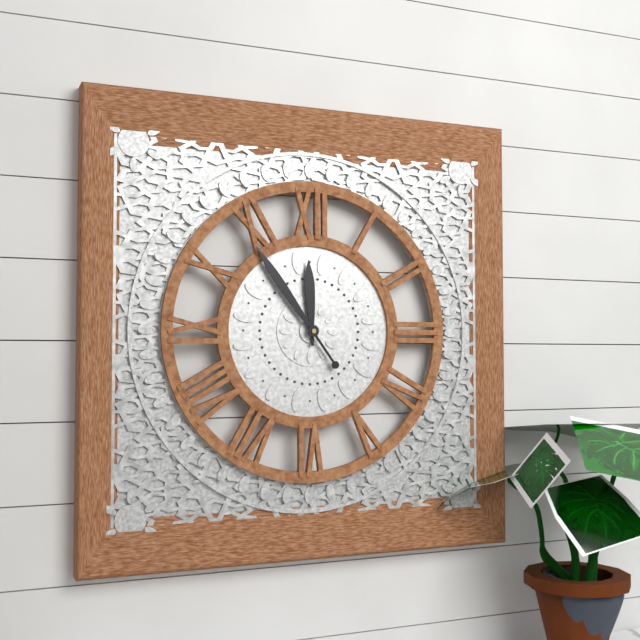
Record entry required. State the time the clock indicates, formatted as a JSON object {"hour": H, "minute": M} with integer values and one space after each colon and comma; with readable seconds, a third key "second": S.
{"hour": 11, "minute": 54}
